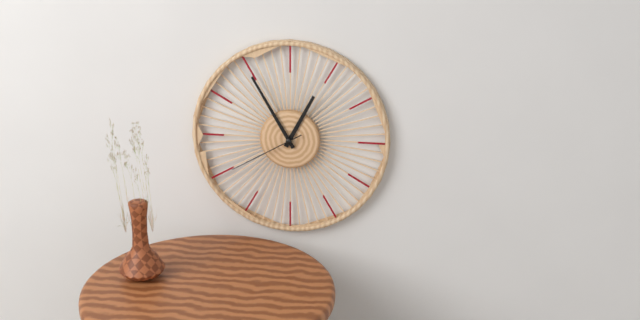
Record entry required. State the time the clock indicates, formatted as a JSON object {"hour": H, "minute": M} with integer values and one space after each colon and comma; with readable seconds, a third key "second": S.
{"hour": 12, "minute": 55, "second": 40}
